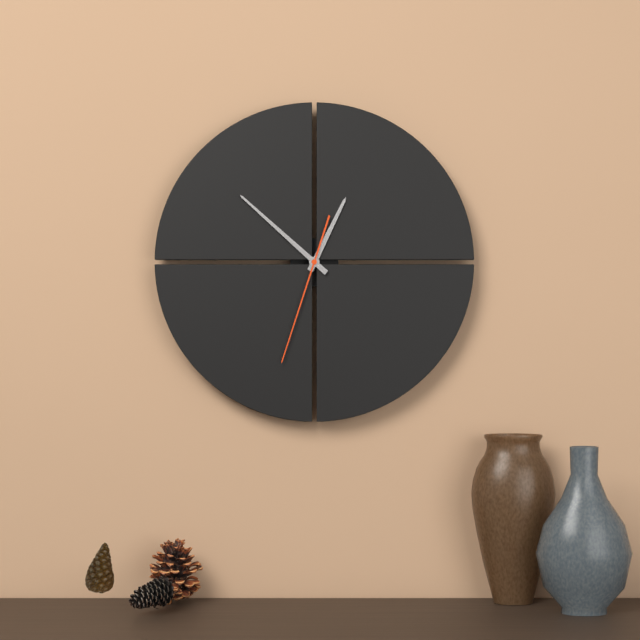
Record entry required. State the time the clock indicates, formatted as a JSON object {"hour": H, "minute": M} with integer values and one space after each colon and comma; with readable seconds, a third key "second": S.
{"hour": 12, "minute": 52, "second": 33}
